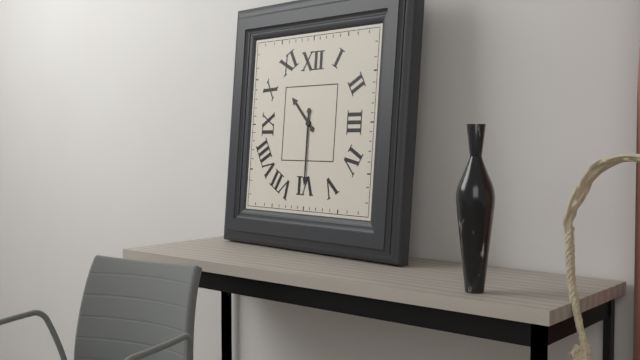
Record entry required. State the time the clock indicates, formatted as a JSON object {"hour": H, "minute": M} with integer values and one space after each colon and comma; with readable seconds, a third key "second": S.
{"hour": 10, "minute": 30}
